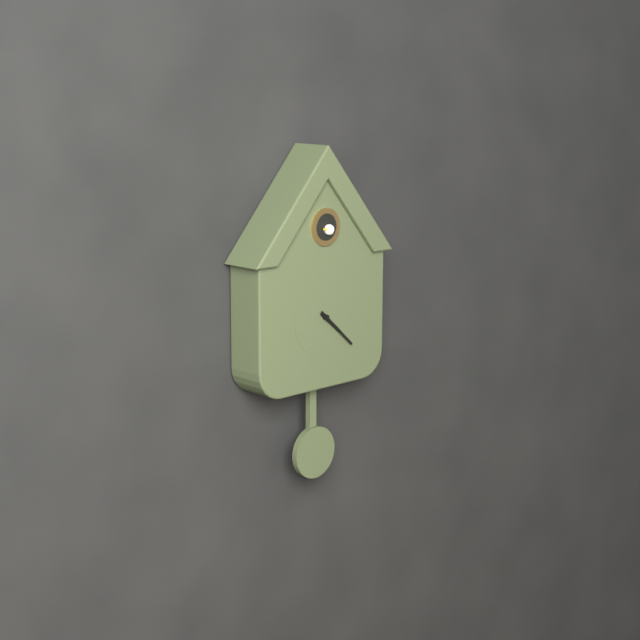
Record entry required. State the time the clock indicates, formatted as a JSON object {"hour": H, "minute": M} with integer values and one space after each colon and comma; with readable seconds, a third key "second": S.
{"hour": 4, "minute": 22}
